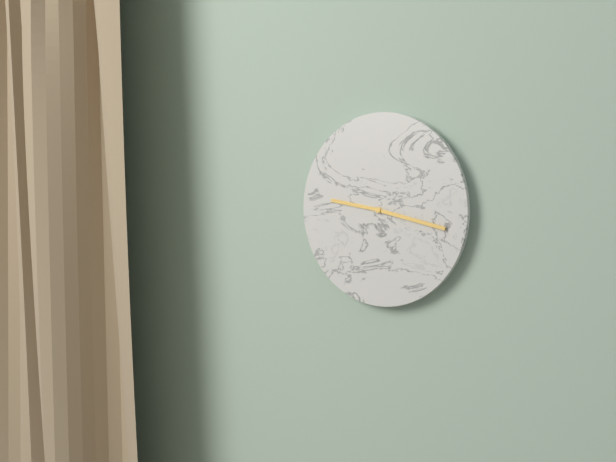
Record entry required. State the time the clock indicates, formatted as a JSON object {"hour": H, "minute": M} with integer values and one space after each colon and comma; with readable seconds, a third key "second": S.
{"hour": 9, "minute": 17}
